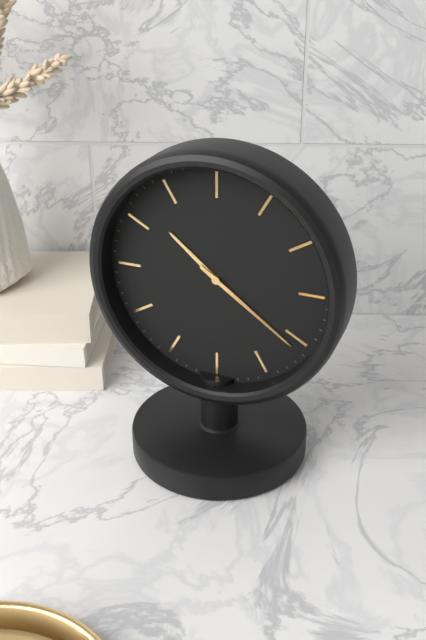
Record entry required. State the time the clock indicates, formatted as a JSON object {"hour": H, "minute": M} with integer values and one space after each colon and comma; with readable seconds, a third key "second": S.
{"hour": 10, "minute": 21}
